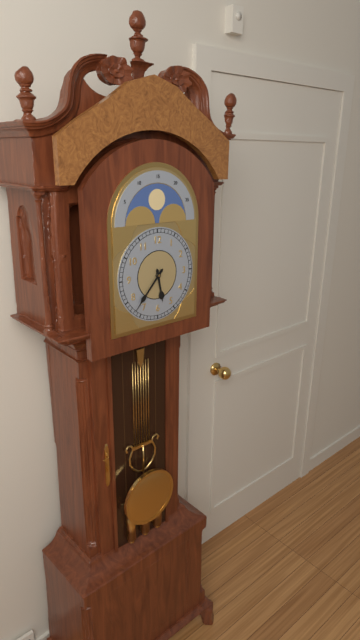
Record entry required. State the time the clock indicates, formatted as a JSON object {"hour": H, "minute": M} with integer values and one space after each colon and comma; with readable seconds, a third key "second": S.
{"hour": 5, "minute": 37}
